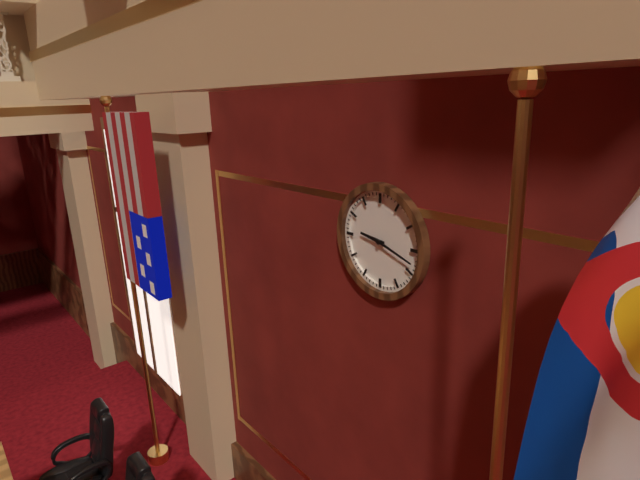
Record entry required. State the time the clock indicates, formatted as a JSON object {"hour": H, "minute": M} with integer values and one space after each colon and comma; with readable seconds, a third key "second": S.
{"hour": 9, "minute": 18}
